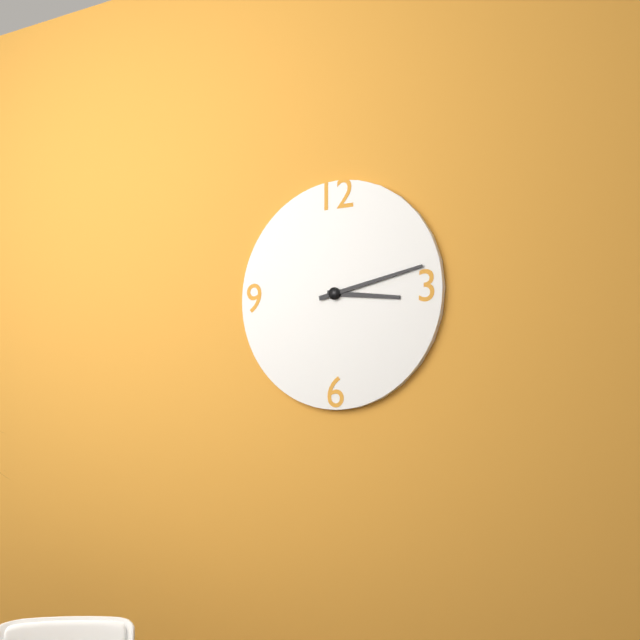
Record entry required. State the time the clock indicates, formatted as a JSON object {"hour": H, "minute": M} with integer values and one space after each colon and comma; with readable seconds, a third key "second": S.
{"hour": 3, "minute": 13}
